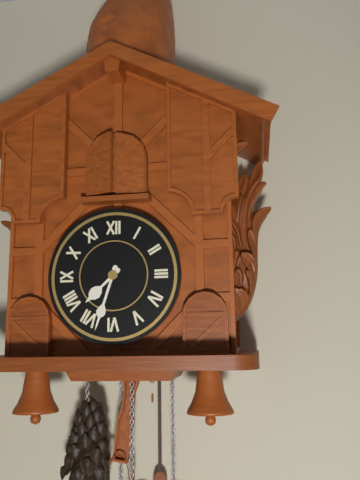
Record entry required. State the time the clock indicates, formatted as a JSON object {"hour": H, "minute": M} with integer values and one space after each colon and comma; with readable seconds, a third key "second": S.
{"hour": 7, "minute": 33}
